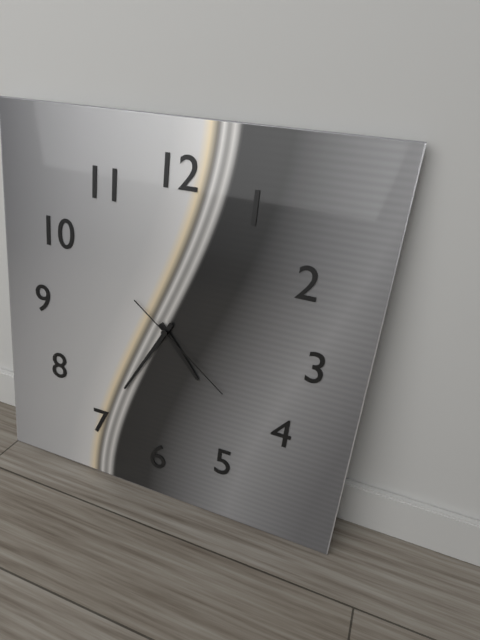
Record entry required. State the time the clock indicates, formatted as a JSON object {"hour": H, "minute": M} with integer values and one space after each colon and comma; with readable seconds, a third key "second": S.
{"hour": 4, "minute": 35, "second": 21}
